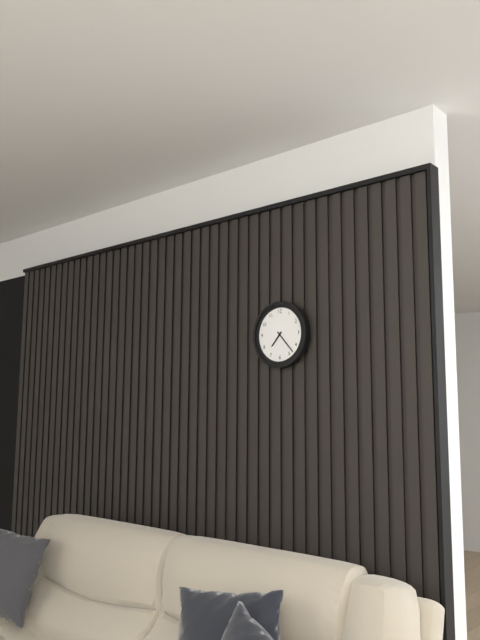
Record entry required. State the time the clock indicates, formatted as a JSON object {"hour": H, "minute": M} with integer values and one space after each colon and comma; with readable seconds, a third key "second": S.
{"hour": 7, "minute": 23}
